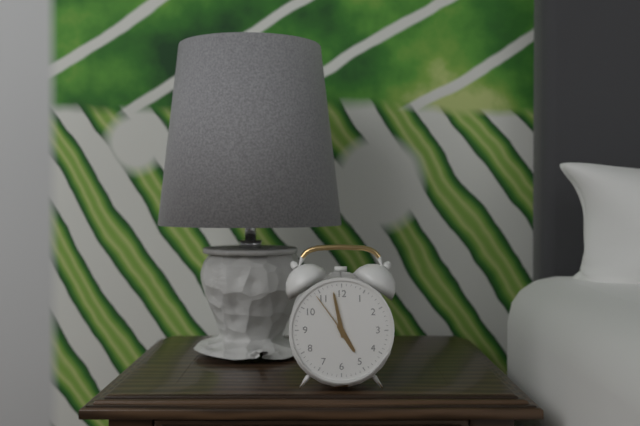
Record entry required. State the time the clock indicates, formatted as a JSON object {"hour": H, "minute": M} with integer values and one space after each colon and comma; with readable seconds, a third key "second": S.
{"hour": 4, "minute": 58, "second": 54}
